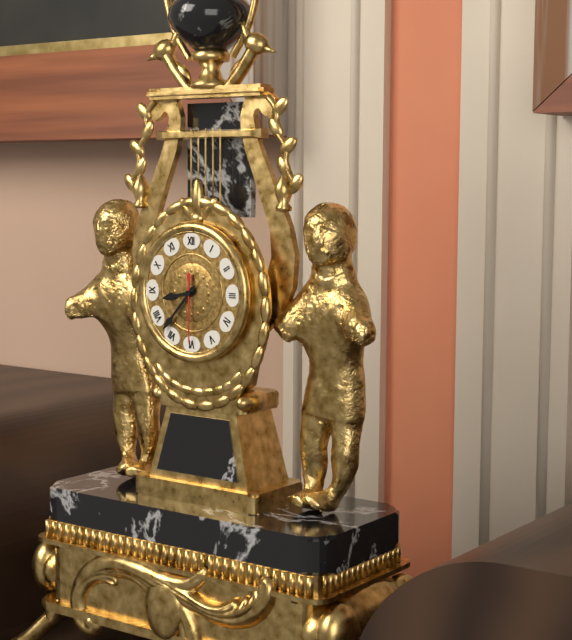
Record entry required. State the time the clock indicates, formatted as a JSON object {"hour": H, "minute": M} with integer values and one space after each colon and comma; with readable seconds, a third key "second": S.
{"hour": 8, "minute": 37, "second": 30}
